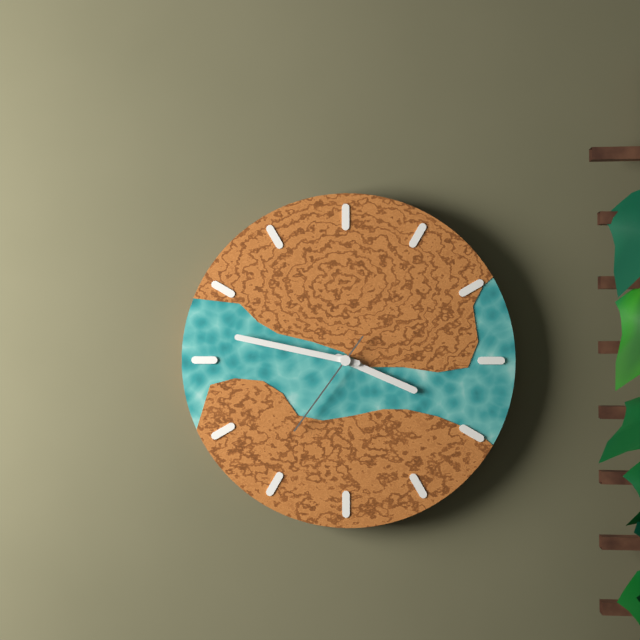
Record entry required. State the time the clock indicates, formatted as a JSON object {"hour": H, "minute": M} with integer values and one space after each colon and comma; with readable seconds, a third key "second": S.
{"hour": 3, "minute": 47, "second": 36}
